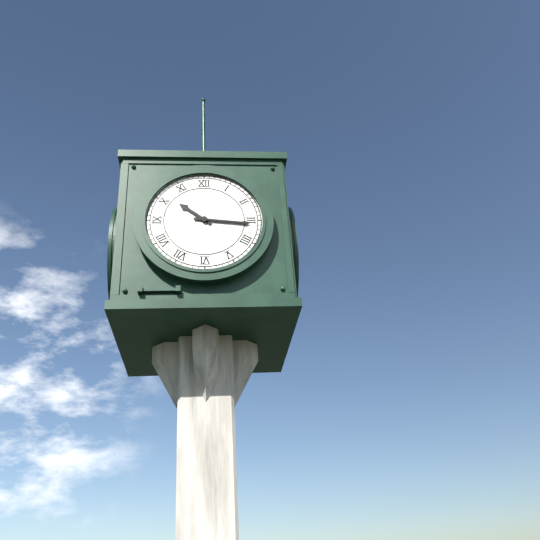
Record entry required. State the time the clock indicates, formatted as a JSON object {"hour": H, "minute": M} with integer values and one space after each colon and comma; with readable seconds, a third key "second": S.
{"hour": 10, "minute": 16}
